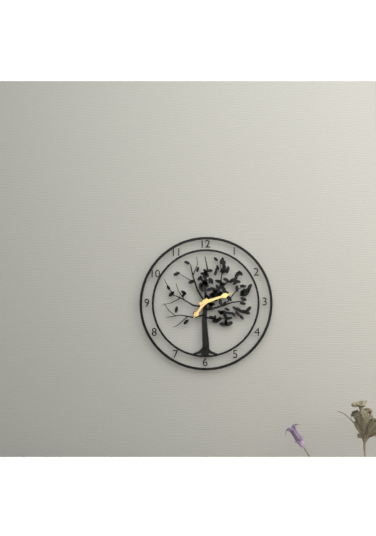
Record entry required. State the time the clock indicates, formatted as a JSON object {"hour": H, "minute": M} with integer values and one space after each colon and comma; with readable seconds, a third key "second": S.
{"hour": 7, "minute": 12}
